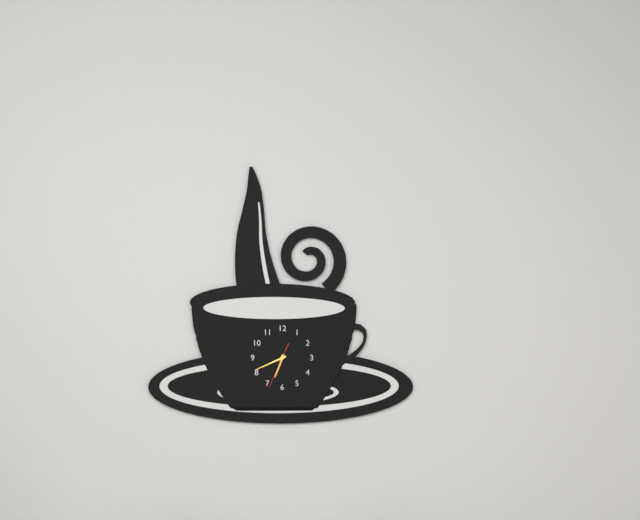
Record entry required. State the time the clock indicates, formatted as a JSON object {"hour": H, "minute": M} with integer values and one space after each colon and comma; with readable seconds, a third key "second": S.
{"hour": 6, "minute": 41}
